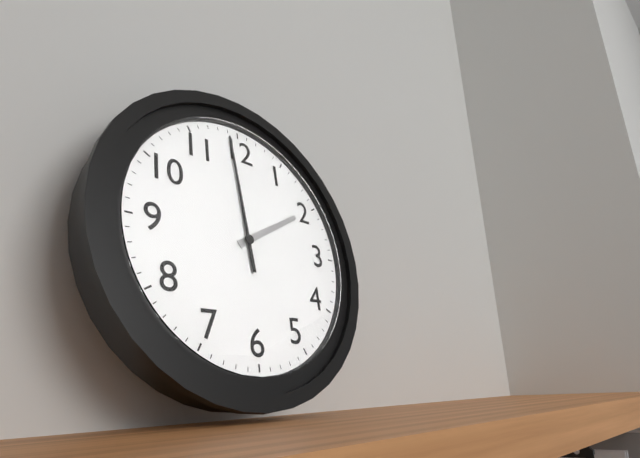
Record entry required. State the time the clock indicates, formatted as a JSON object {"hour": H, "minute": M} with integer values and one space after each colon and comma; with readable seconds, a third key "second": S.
{"hour": 1, "minute": 59}
